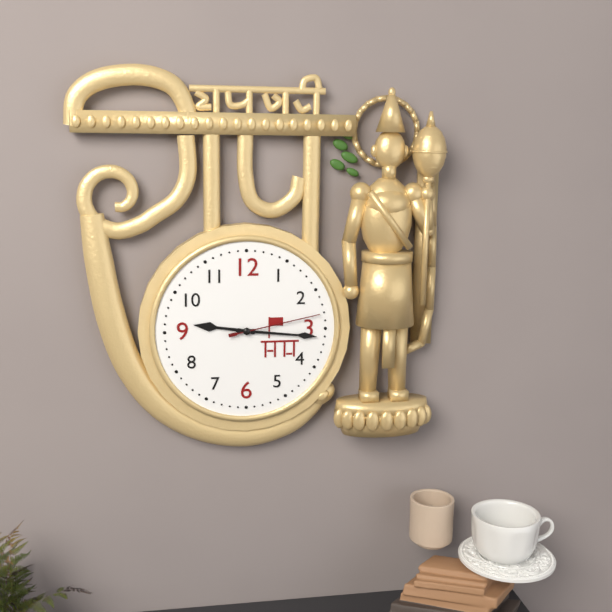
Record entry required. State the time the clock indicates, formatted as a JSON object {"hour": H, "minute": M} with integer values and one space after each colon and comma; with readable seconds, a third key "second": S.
{"hour": 9, "minute": 16, "second": 13}
